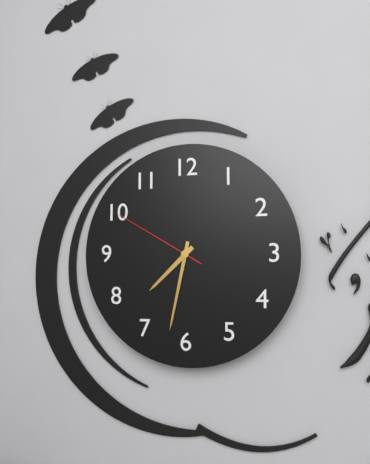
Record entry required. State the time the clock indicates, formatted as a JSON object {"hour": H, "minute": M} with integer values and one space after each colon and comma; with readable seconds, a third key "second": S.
{"hour": 7, "minute": 32, "second": 50}
